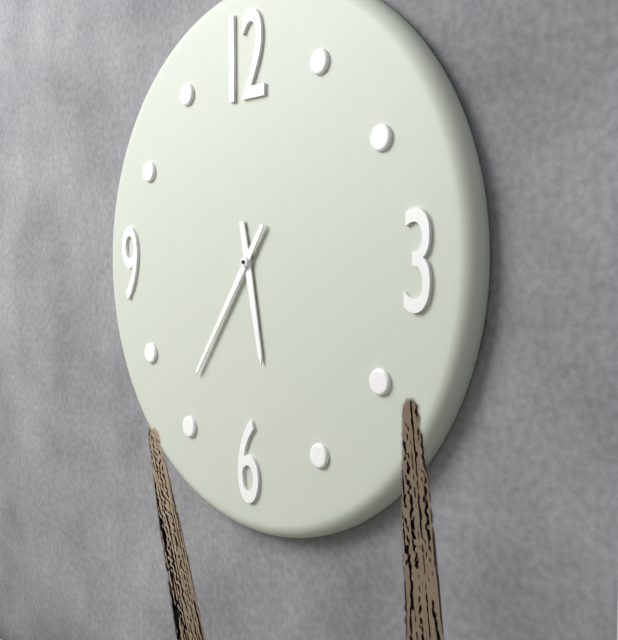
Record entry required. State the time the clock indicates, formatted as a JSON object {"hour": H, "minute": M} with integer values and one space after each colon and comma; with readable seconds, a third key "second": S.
{"hour": 5, "minute": 36}
